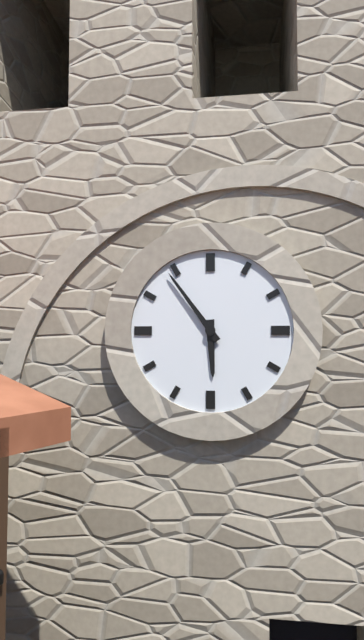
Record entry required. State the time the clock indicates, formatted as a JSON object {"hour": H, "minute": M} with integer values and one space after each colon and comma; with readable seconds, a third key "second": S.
{"hour": 5, "minute": 54}
